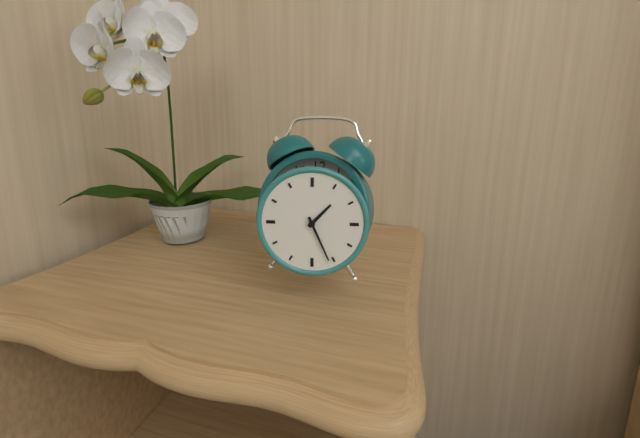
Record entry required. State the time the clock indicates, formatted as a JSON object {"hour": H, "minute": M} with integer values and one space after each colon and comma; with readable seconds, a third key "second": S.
{"hour": 1, "minute": 26}
